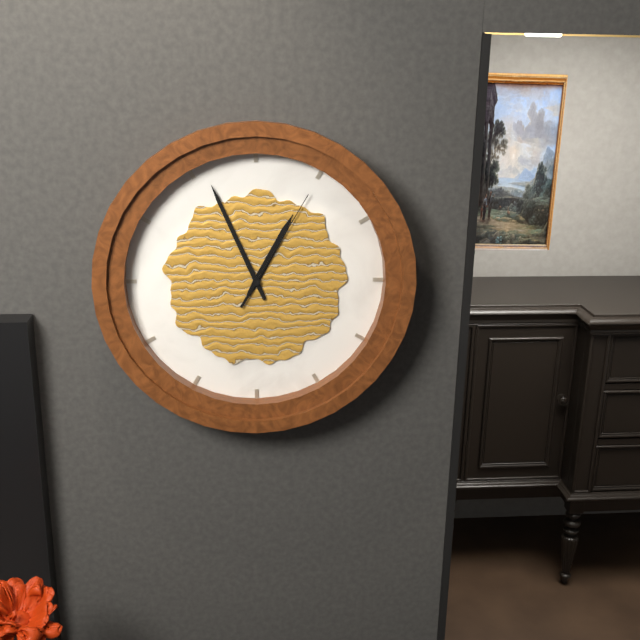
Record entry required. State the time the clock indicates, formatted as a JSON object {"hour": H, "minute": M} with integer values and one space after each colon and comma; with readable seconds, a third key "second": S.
{"hour": 12, "minute": 56, "second": 5}
